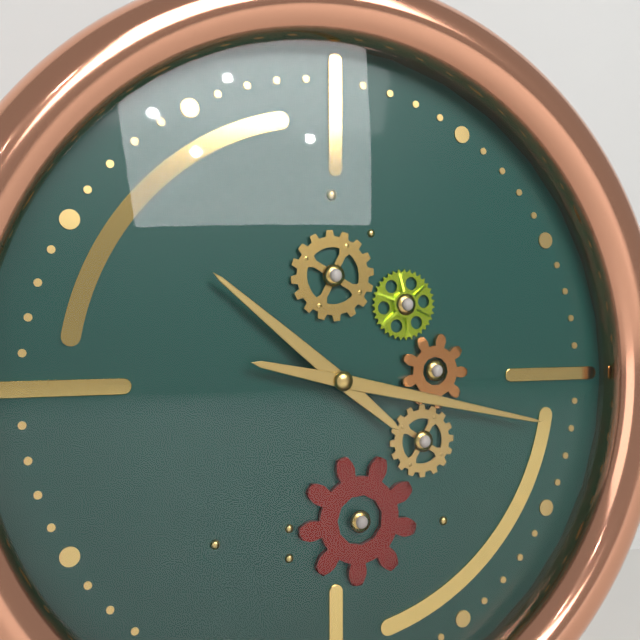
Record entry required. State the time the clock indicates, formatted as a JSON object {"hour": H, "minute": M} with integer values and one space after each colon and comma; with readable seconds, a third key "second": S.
{"hour": 10, "minute": 17}
